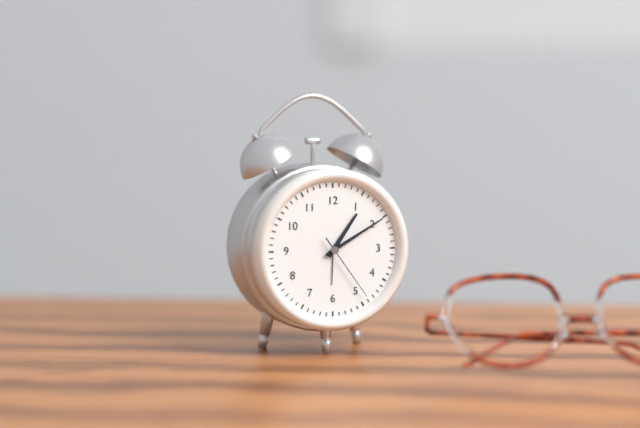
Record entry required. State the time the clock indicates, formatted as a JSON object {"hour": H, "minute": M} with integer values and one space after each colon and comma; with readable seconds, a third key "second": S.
{"hour": 1, "minute": 10, "second": 24}
